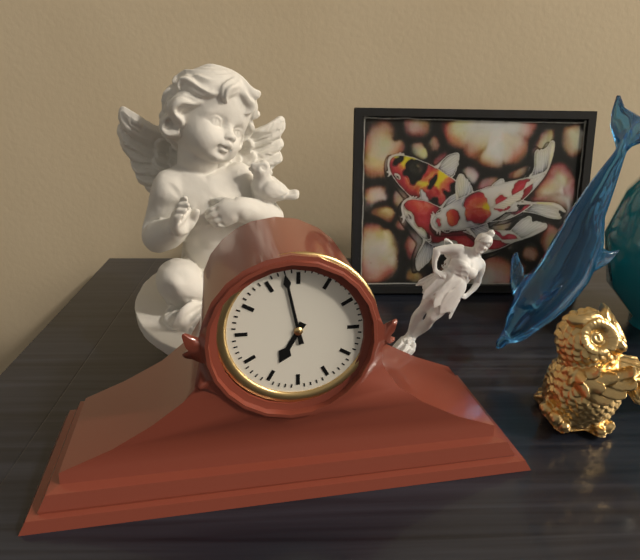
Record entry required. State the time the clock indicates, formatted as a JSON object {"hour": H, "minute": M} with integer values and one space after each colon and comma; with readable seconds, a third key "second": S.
{"hour": 6, "minute": 58}
